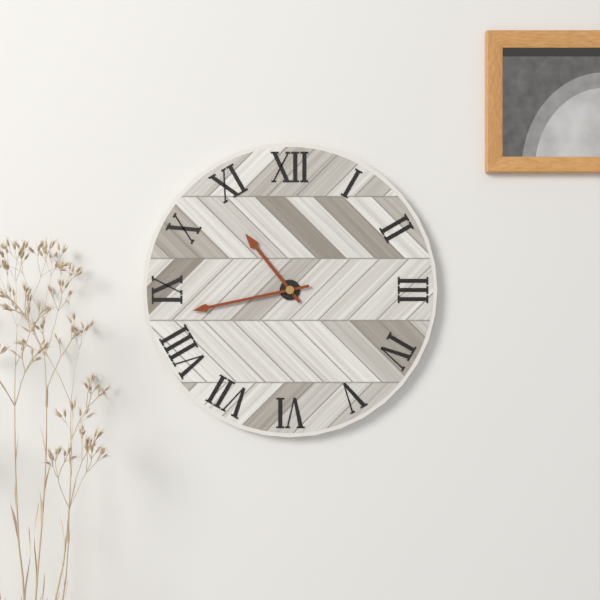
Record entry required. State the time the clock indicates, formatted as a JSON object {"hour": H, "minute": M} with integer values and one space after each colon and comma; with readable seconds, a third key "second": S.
{"hour": 10, "minute": 43}
